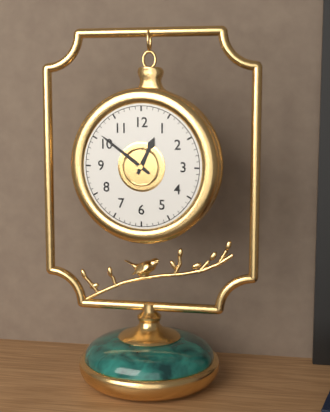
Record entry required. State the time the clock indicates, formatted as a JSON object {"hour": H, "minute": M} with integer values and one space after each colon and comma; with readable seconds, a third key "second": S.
{"hour": 12, "minute": 51}
